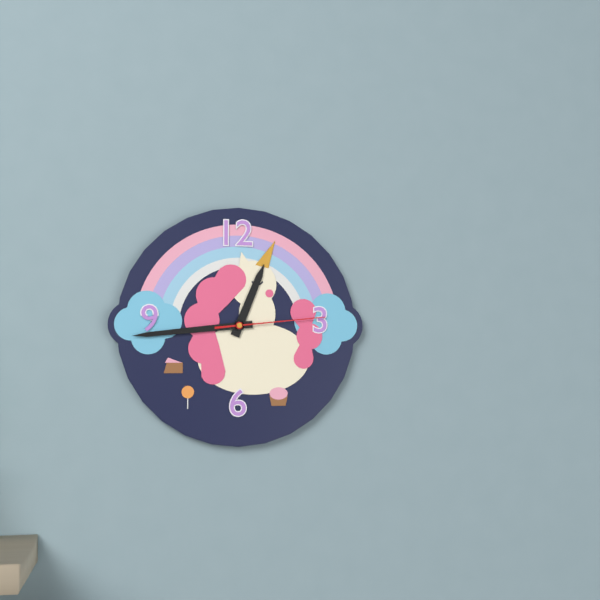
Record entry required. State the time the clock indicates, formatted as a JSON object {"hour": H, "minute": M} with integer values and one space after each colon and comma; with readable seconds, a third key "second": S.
{"hour": 12, "minute": 44, "second": 14}
